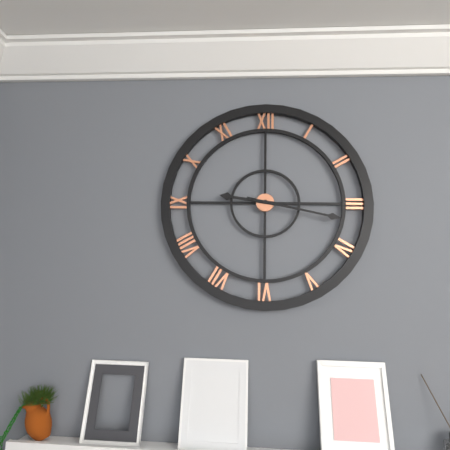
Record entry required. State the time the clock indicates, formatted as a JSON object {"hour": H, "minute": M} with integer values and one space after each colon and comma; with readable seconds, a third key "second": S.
{"hour": 9, "minute": 17}
